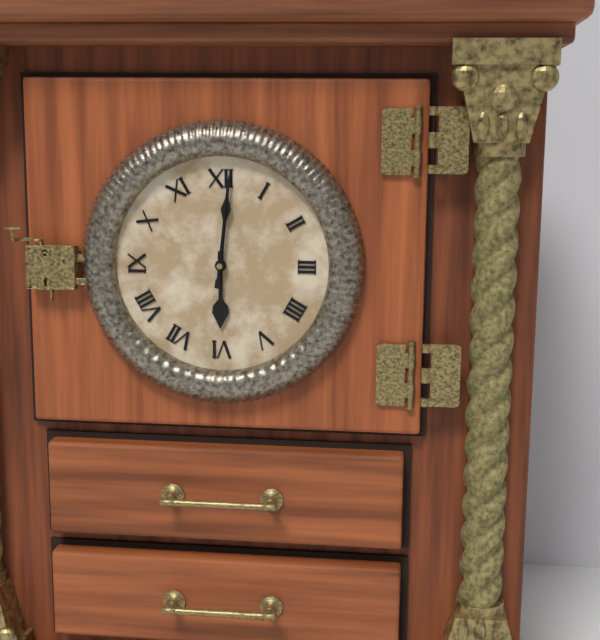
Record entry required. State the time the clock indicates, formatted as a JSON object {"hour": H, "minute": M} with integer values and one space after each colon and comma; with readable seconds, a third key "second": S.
{"hour": 6, "minute": 1, "second": 1}
